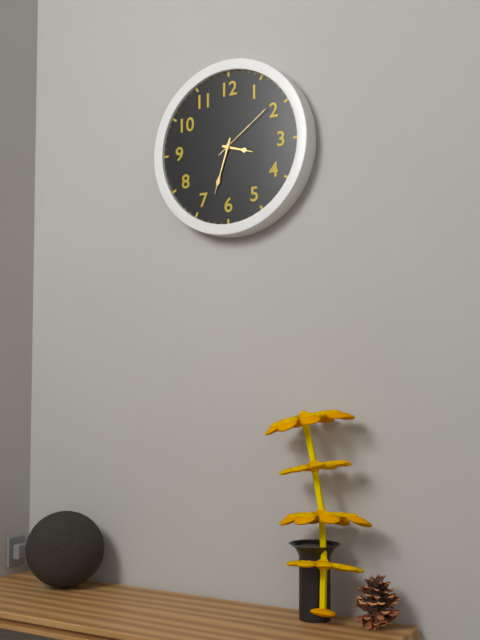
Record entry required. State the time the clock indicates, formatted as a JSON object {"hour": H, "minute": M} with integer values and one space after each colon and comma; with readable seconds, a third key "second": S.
{"hour": 3, "minute": 33, "second": 9}
